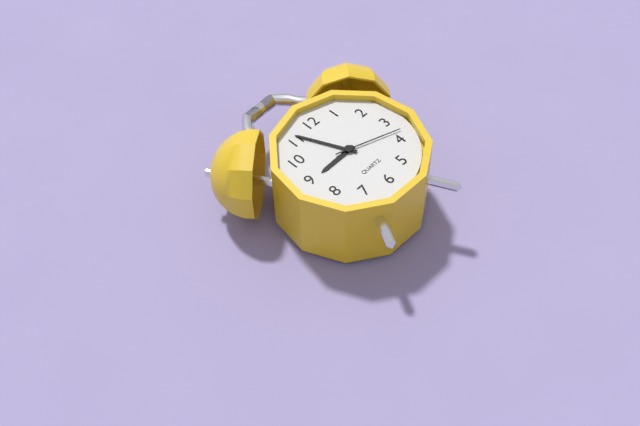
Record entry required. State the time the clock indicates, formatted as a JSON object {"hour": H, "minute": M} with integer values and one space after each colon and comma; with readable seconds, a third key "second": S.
{"hour": 8, "minute": 56, "second": 18}
